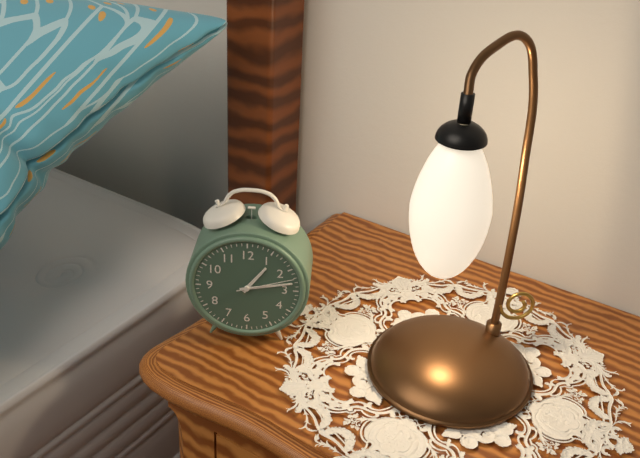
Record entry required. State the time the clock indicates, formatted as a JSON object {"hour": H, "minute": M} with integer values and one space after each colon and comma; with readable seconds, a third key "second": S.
{"hour": 1, "minute": 13, "second": 12}
